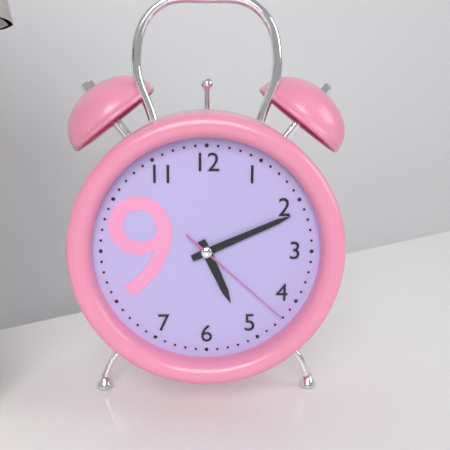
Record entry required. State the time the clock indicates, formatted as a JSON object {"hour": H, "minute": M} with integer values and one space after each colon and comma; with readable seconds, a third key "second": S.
{"hour": 5, "minute": 11, "second": 22}
